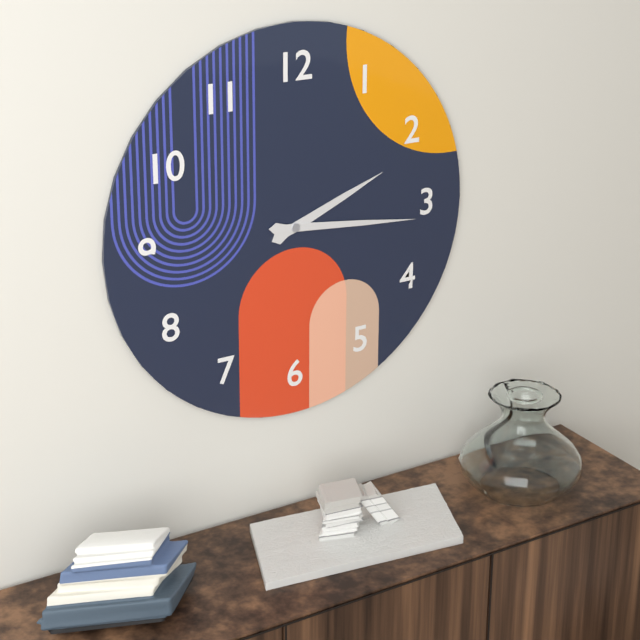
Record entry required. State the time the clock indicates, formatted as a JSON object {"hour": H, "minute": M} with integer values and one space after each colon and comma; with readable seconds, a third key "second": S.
{"hour": 2, "minute": 16}
